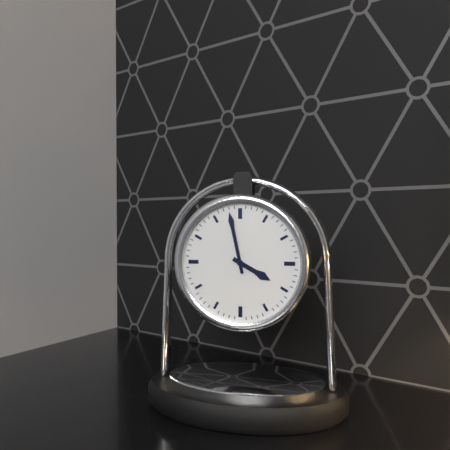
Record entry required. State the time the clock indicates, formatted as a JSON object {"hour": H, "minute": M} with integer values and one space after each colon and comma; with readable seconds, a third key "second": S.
{"hour": 3, "minute": 58}
